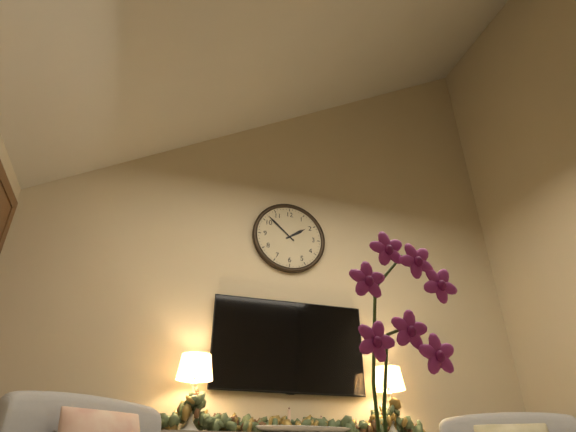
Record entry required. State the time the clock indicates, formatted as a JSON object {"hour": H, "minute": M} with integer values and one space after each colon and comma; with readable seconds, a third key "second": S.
{"hour": 1, "minute": 52}
